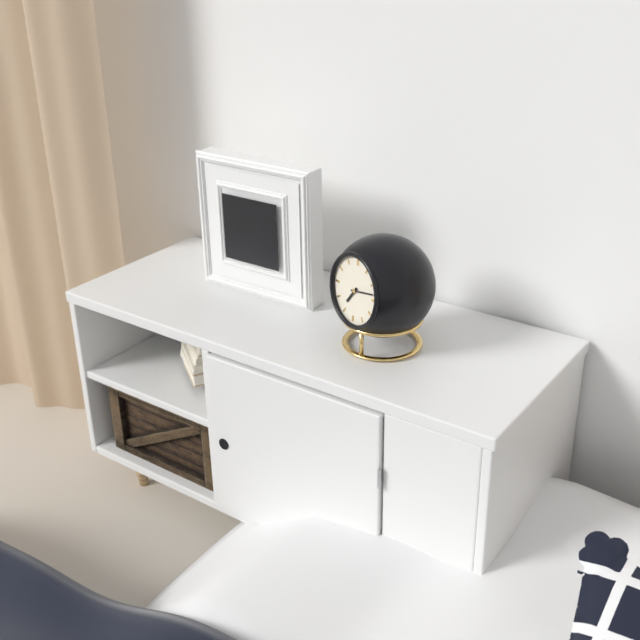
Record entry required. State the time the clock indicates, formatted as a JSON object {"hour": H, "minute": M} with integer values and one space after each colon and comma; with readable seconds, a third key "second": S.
{"hour": 7, "minute": 13}
